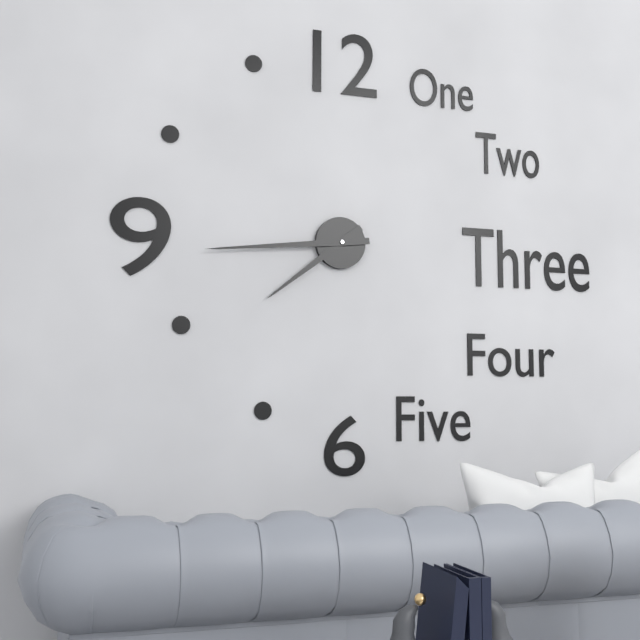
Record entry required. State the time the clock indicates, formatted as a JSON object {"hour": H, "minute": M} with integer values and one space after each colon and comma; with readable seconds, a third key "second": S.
{"hour": 7, "minute": 44}
